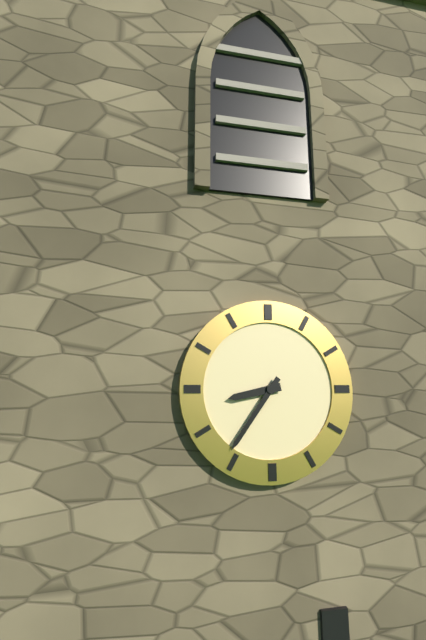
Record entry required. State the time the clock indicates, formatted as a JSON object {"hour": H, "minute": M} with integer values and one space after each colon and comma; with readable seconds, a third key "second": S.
{"hour": 8, "minute": 36}
